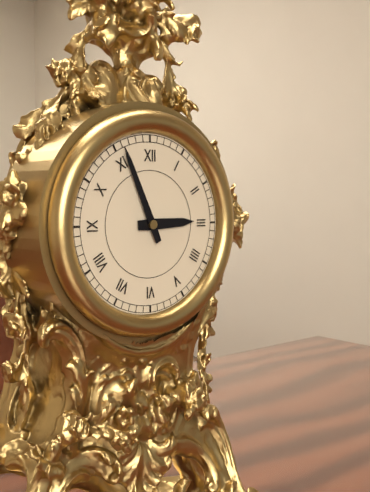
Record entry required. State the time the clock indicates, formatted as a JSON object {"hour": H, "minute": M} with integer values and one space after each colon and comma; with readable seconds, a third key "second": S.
{"hour": 2, "minute": 56}
